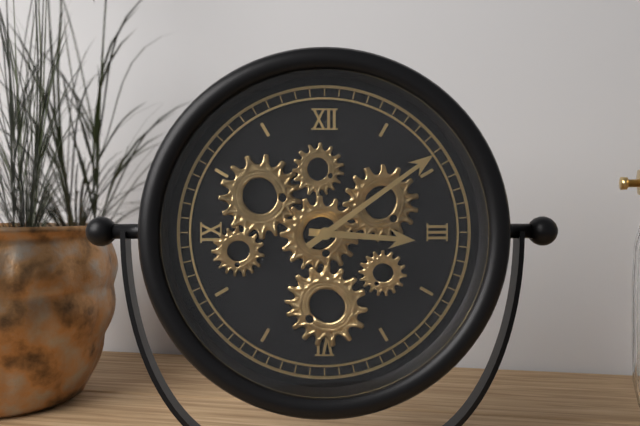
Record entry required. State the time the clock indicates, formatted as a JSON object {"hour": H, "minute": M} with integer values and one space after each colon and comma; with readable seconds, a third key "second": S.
{"hour": 3, "minute": 9}
